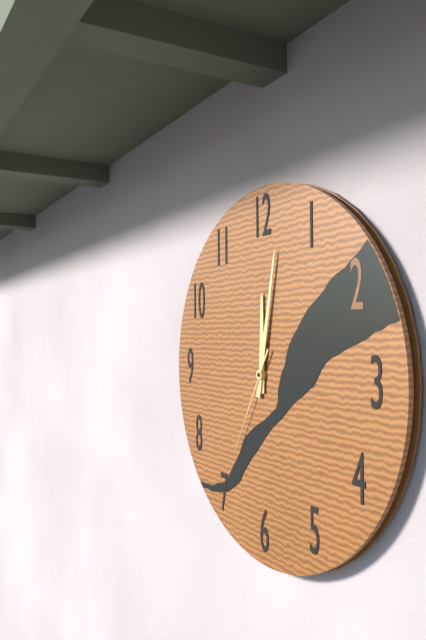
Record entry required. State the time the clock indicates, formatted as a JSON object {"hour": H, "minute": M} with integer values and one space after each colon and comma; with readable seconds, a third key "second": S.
{"hour": 12, "minute": 2, "second": 35}
